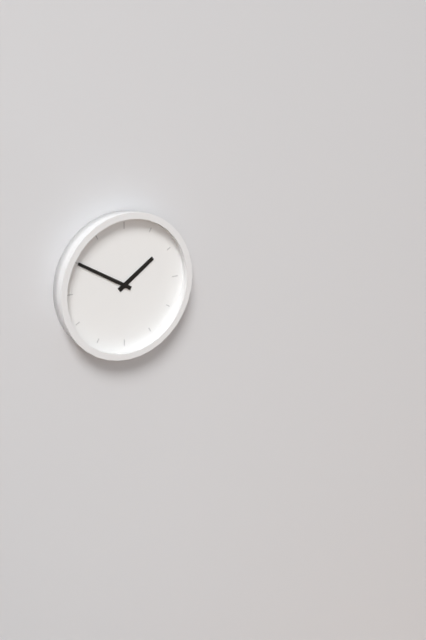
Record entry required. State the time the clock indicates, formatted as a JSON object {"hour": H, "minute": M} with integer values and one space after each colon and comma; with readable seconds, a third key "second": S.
{"hour": 1, "minute": 50}
